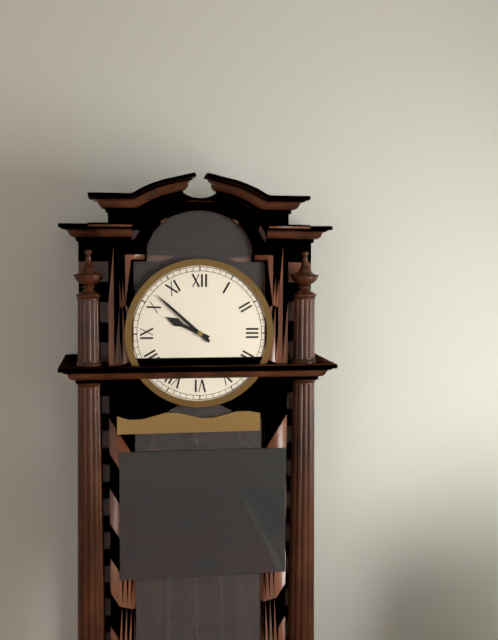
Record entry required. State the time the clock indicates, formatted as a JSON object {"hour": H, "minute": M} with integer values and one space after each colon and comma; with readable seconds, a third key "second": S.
{"hour": 9, "minute": 52}
